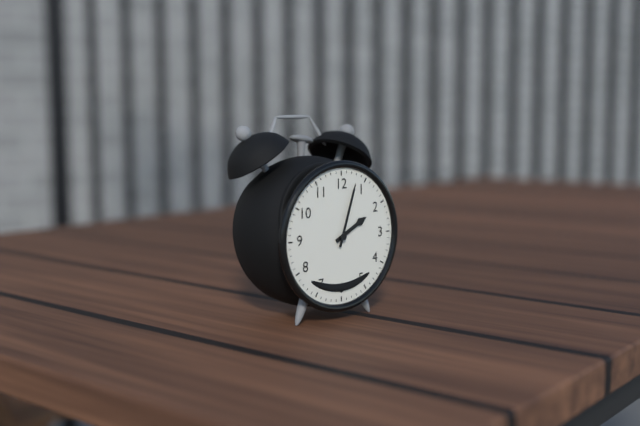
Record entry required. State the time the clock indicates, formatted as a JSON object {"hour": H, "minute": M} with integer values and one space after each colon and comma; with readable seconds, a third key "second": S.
{"hour": 2, "minute": 3}
